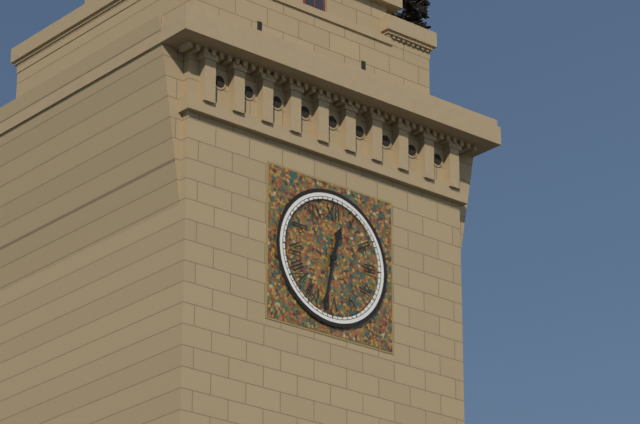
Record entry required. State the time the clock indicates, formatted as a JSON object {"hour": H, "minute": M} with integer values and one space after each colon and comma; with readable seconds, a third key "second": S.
{"hour": 12, "minute": 32}
